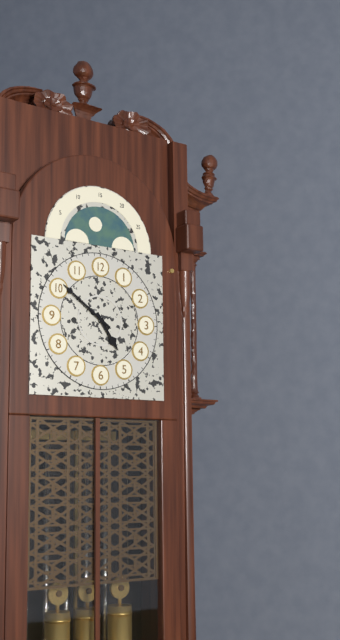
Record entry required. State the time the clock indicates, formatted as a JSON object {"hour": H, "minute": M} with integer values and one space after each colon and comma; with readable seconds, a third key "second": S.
{"hour": 4, "minute": 51}
